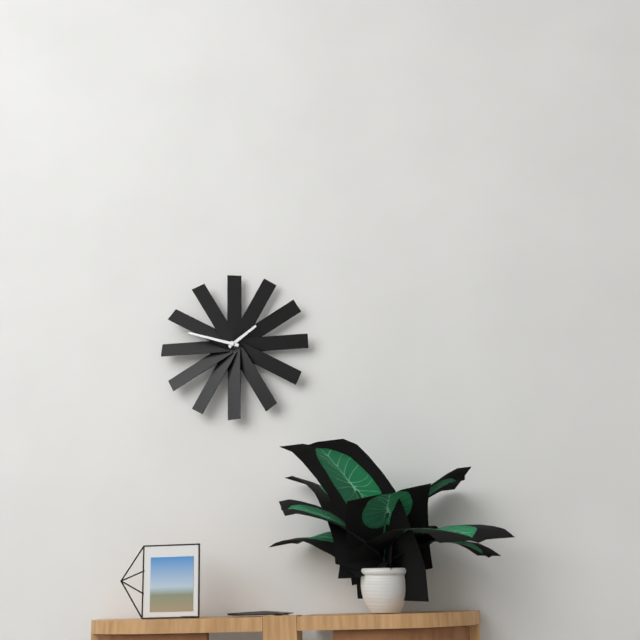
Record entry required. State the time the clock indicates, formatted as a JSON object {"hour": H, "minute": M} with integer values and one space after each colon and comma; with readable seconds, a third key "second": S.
{"hour": 1, "minute": 48}
